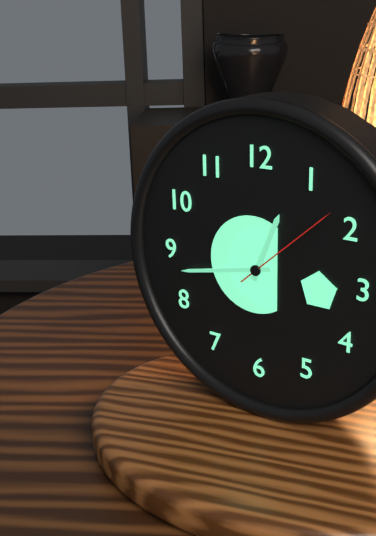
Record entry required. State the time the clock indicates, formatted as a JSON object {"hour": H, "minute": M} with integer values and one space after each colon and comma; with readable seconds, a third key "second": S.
{"hour": 12, "minute": 43, "second": 8}
